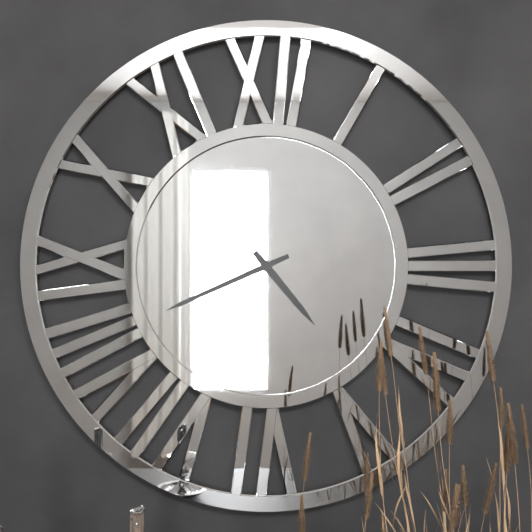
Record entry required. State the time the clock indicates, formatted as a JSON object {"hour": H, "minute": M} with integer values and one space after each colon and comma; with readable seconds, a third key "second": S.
{"hour": 4, "minute": 41}
